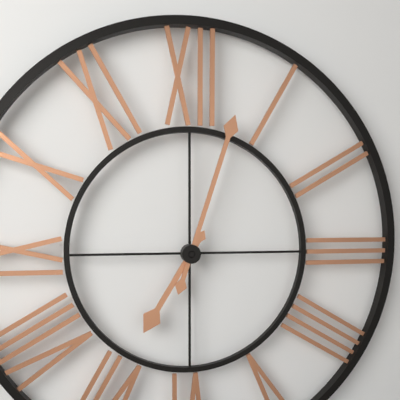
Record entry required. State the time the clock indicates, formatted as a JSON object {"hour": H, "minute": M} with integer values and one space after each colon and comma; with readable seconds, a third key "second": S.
{"hour": 7, "minute": 3}
